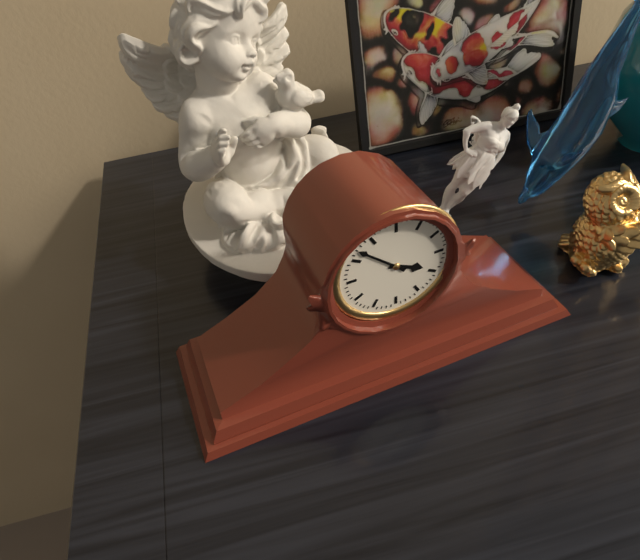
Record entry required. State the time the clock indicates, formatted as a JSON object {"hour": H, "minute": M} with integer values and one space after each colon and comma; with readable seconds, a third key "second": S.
{"hour": 3, "minute": 52}
